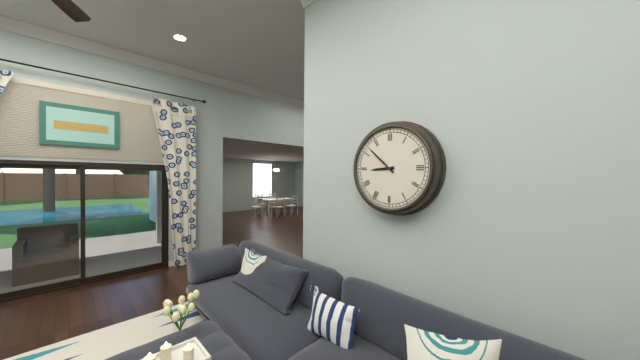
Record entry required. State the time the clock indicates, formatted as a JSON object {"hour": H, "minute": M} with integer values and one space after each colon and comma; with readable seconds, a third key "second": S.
{"hour": 8, "minute": 52}
